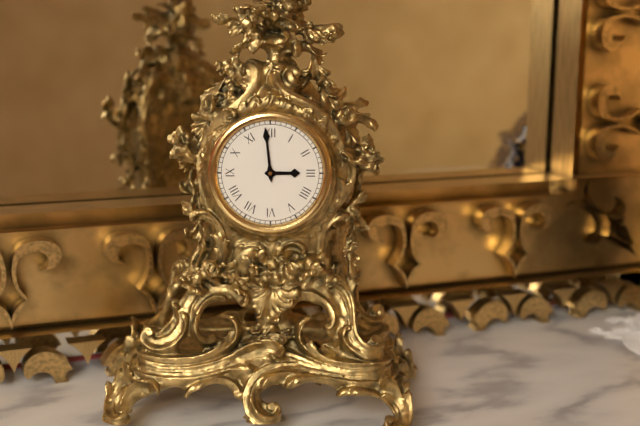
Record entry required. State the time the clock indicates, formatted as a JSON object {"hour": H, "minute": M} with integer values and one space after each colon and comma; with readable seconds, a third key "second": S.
{"hour": 2, "minute": 59}
